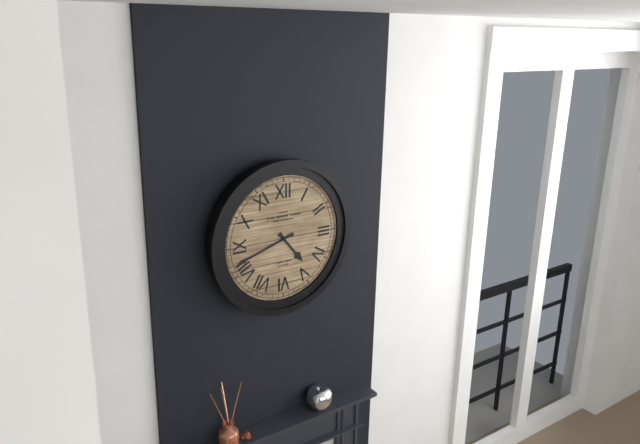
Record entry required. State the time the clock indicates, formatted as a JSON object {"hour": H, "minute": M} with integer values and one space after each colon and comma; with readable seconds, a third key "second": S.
{"hour": 4, "minute": 42}
